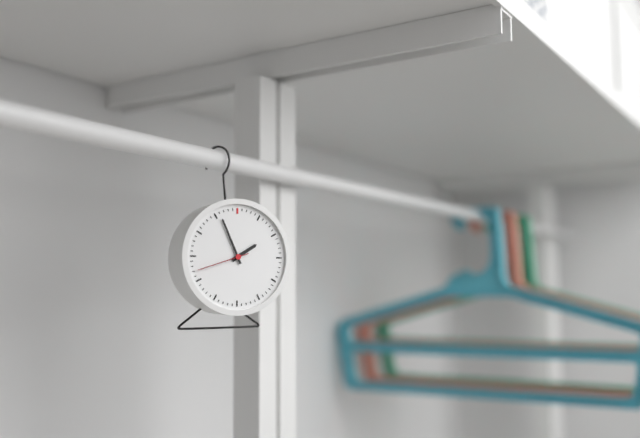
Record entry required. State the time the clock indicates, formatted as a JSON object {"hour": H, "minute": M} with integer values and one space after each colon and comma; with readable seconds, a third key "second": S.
{"hour": 1, "minute": 56, "second": 42}
